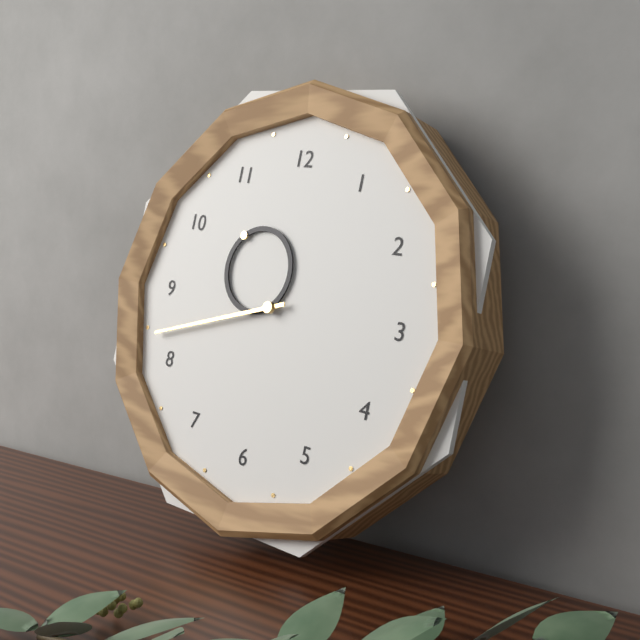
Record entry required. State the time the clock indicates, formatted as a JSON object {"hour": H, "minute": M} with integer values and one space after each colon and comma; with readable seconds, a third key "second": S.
{"hour": 10, "minute": 42}
